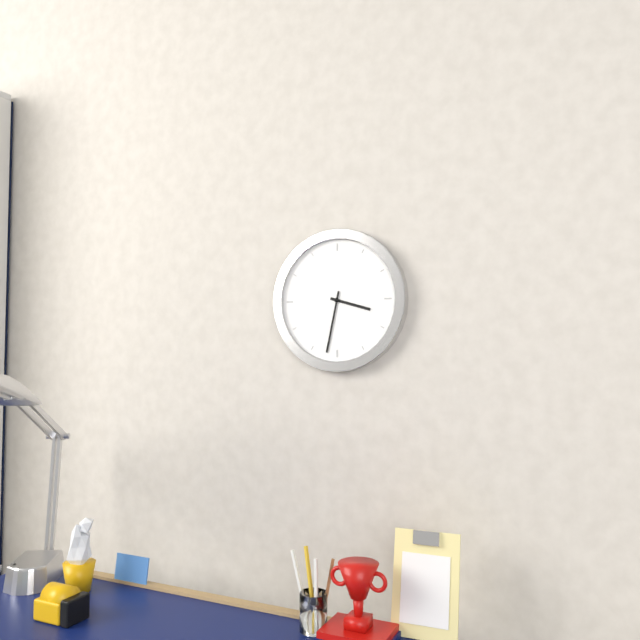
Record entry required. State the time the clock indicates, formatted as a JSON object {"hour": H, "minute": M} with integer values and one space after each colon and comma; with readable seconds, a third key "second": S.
{"hour": 3, "minute": 32}
